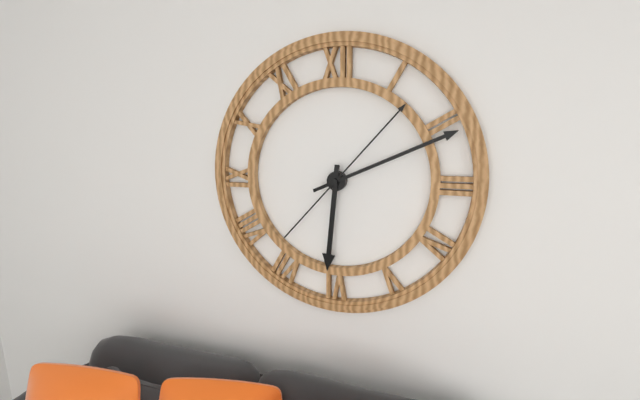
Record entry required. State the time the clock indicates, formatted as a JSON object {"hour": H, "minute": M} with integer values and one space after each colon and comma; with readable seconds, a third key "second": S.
{"hour": 6, "minute": 11, "second": 7}
